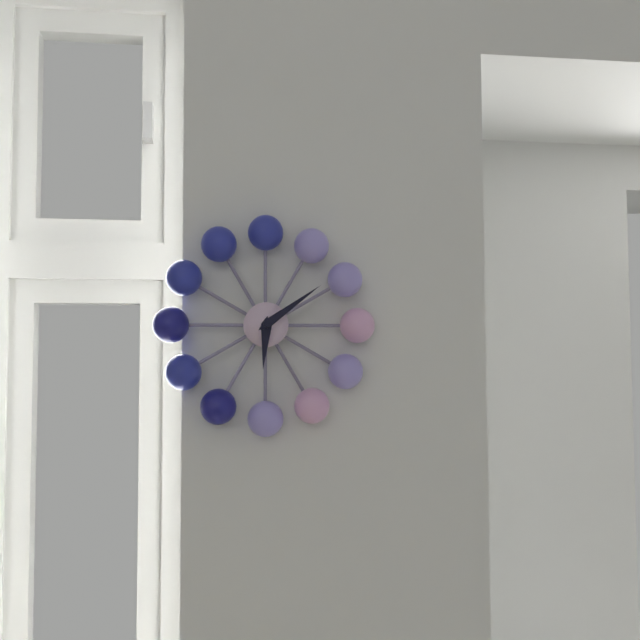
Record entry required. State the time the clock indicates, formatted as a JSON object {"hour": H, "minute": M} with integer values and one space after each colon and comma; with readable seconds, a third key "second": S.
{"hour": 6, "minute": 9}
